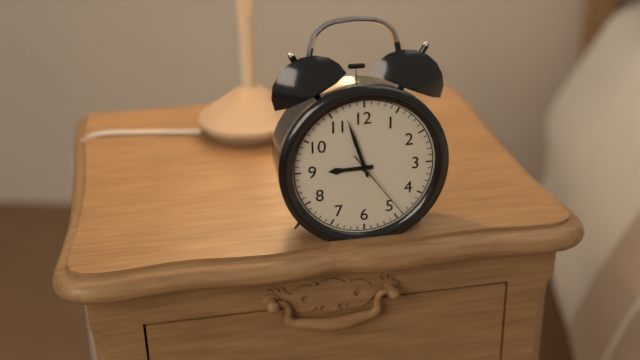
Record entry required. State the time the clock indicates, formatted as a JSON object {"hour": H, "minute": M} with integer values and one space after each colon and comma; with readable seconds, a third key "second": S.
{"hour": 8, "minute": 57, "second": 24}
